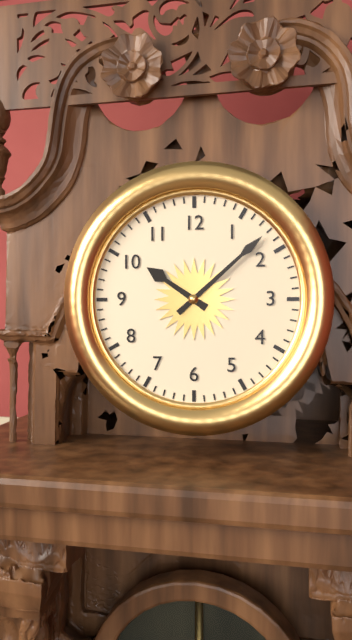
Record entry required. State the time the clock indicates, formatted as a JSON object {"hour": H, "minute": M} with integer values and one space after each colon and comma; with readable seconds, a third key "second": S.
{"hour": 10, "minute": 8}
